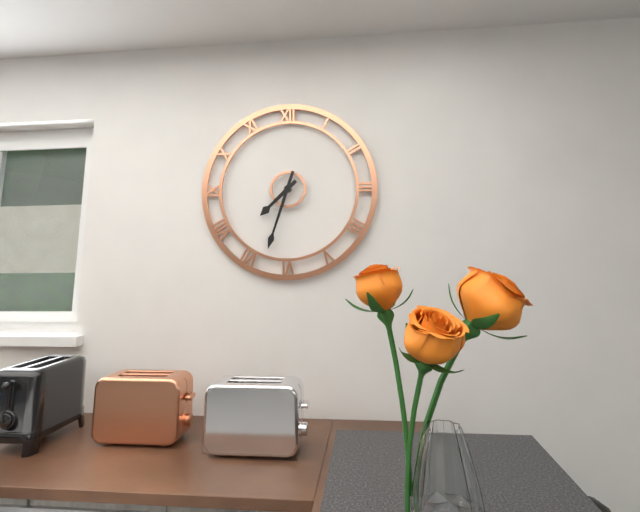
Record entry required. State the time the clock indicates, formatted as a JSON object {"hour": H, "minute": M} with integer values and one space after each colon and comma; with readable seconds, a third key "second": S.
{"hour": 7, "minute": 33}
